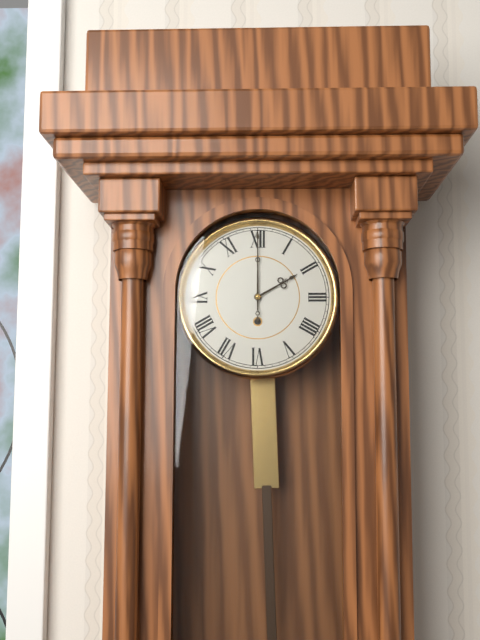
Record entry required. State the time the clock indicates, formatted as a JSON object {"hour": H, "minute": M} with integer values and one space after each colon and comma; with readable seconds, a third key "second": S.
{"hour": 2, "minute": 0}
